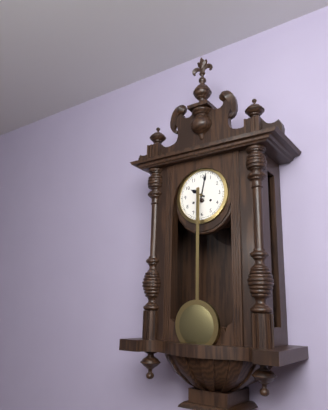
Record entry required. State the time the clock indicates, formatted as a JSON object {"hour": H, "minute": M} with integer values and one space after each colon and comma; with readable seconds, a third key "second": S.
{"hour": 10, "minute": 2}
